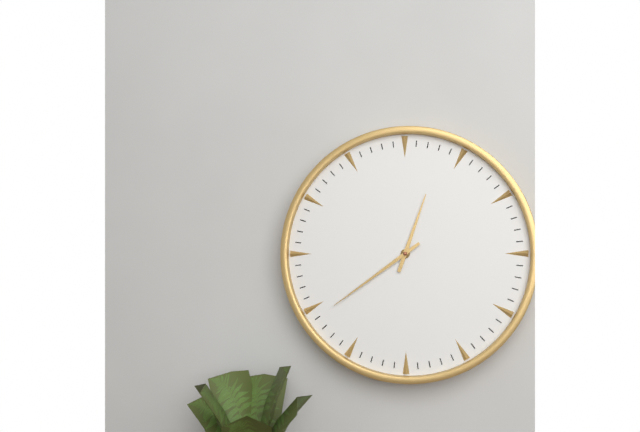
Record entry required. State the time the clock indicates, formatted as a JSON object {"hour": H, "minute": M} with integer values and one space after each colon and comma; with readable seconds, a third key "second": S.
{"hour": 12, "minute": 39}
